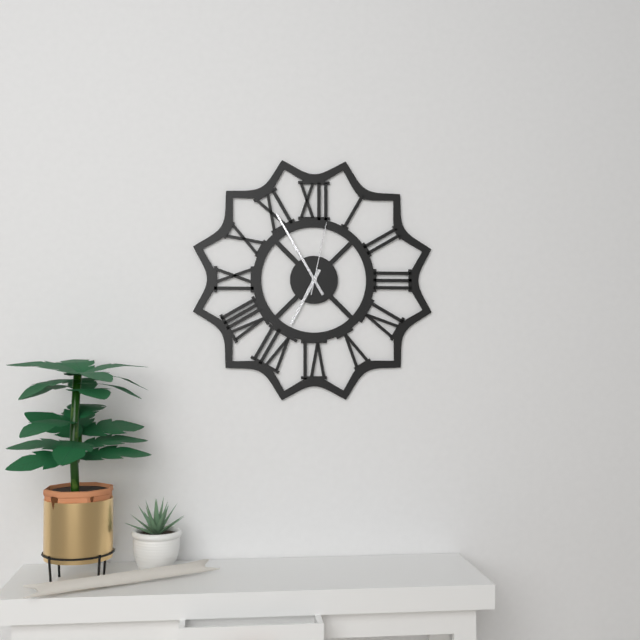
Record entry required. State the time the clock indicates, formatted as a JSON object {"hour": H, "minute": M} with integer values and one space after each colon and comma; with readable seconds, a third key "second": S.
{"hour": 6, "minute": 55, "second": 2}
